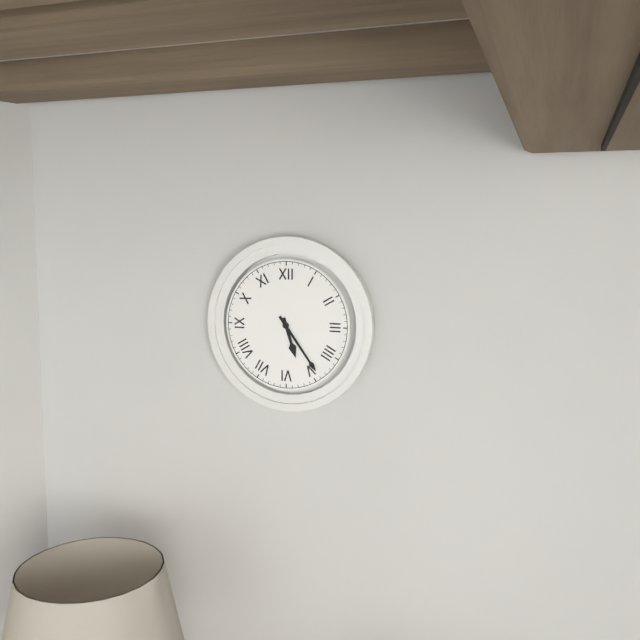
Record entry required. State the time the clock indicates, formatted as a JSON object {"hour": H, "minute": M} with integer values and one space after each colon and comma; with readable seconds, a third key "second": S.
{"hour": 5, "minute": 24}
